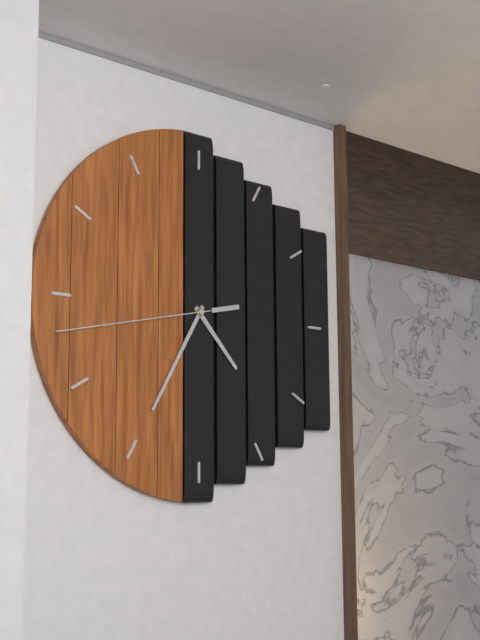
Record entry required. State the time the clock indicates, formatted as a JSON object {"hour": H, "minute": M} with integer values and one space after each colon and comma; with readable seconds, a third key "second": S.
{"hour": 4, "minute": 35, "second": 43}
